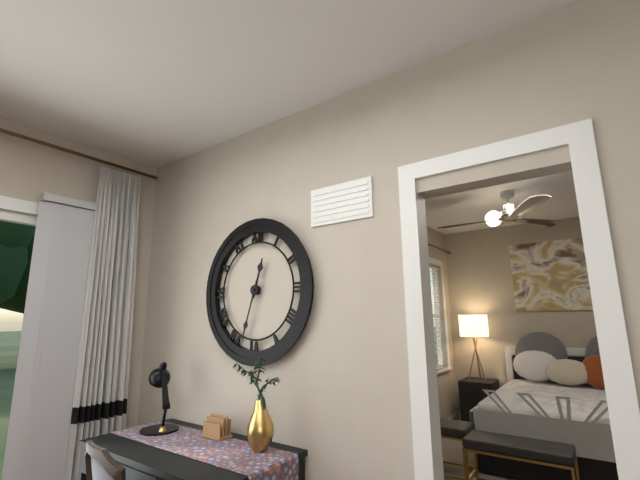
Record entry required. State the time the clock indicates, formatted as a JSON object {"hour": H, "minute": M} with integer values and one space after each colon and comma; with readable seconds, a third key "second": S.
{"hour": 12, "minute": 33}
